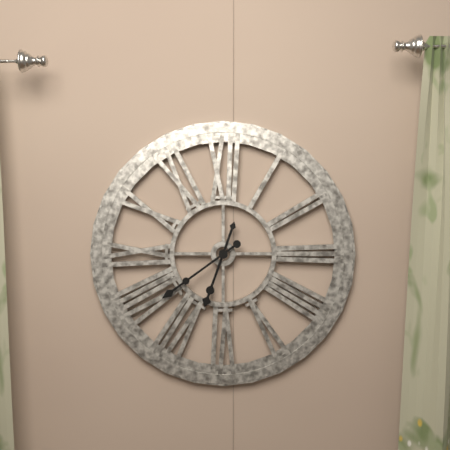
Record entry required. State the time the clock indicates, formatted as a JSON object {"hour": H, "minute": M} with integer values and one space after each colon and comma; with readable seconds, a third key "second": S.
{"hour": 6, "minute": 39}
